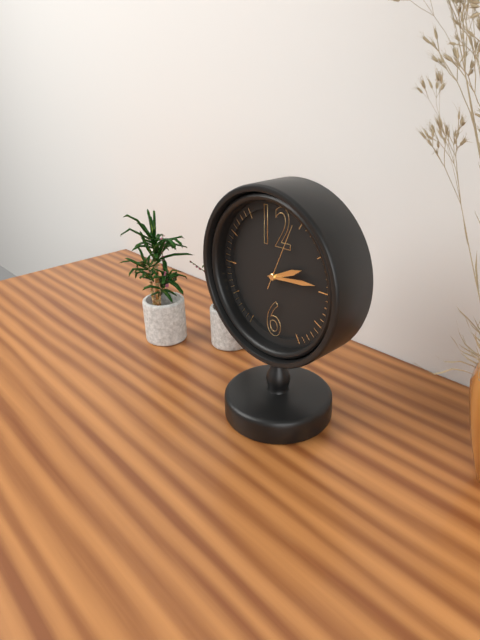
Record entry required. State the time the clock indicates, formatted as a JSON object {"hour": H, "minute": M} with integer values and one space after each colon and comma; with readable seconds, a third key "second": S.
{"hour": 2, "minute": 14, "second": 4}
